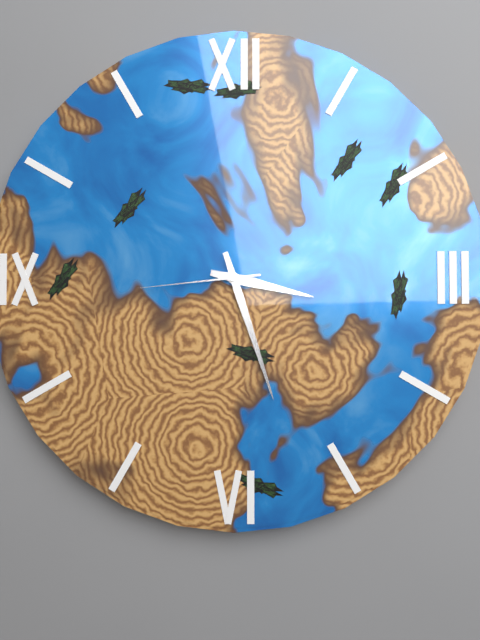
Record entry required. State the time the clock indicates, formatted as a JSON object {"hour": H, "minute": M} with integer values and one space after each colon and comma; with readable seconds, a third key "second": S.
{"hour": 3, "minute": 27, "second": 44}
